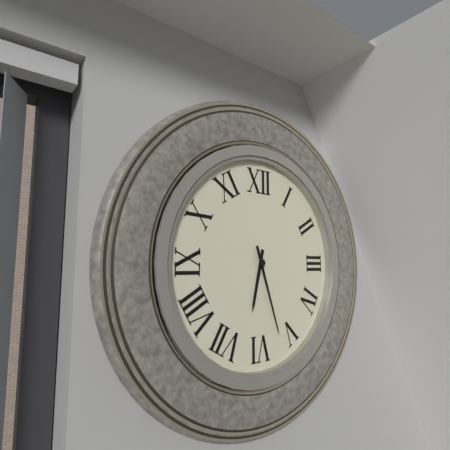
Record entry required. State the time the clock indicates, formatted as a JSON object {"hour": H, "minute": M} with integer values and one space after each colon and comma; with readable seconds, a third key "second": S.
{"hour": 6, "minute": 27}
